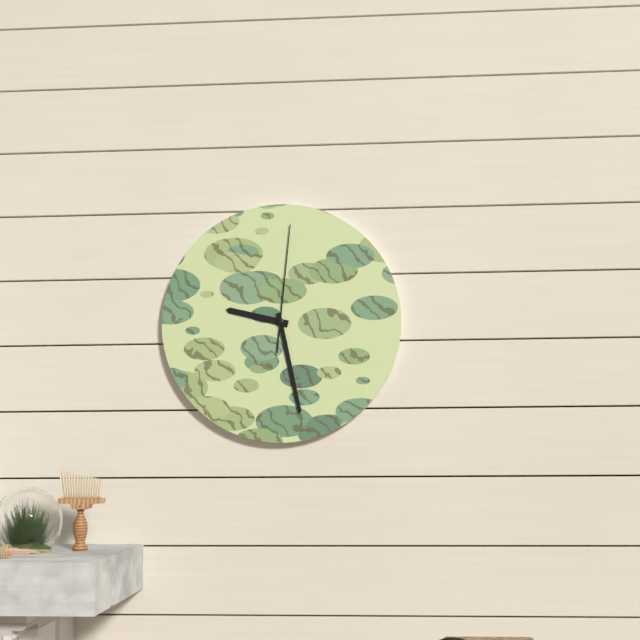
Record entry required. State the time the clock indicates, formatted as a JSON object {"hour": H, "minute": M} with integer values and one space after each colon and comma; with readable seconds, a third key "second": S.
{"hour": 9, "minute": 28, "second": 1}
